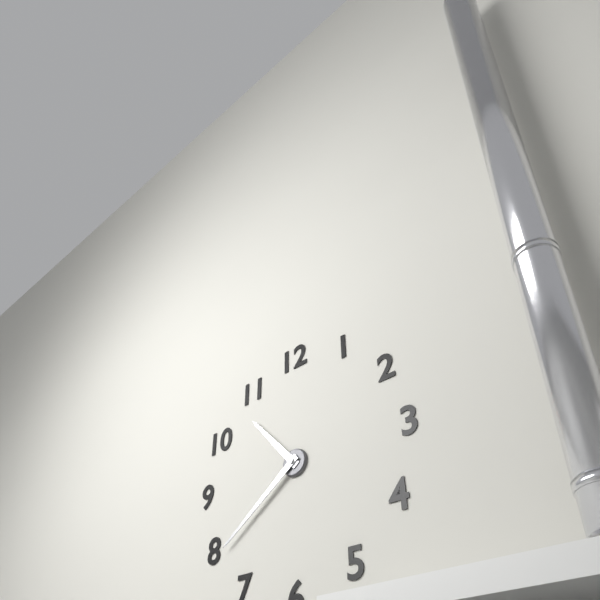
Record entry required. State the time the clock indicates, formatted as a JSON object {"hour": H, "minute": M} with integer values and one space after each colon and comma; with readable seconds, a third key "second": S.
{"hour": 10, "minute": 39}
